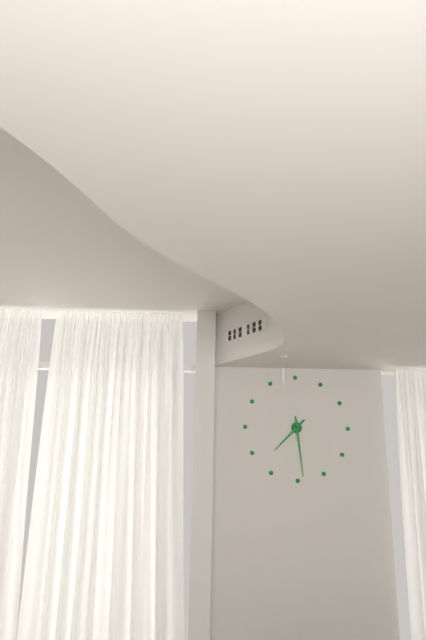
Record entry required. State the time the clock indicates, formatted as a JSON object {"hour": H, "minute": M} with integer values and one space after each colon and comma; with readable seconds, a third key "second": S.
{"hour": 7, "minute": 29}
